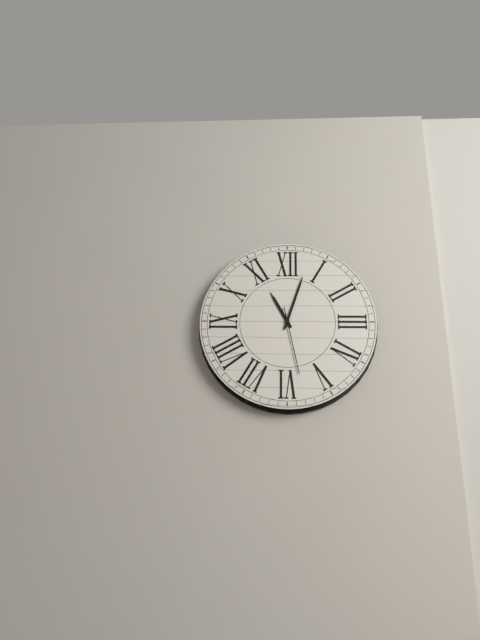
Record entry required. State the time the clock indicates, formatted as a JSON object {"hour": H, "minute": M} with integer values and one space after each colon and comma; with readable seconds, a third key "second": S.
{"hour": 11, "minute": 3, "second": 28}
